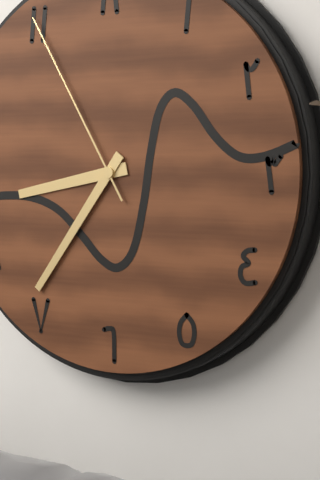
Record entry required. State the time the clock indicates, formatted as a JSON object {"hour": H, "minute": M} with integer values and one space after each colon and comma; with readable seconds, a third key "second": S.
{"hour": 8, "minute": 36, "second": 55}
